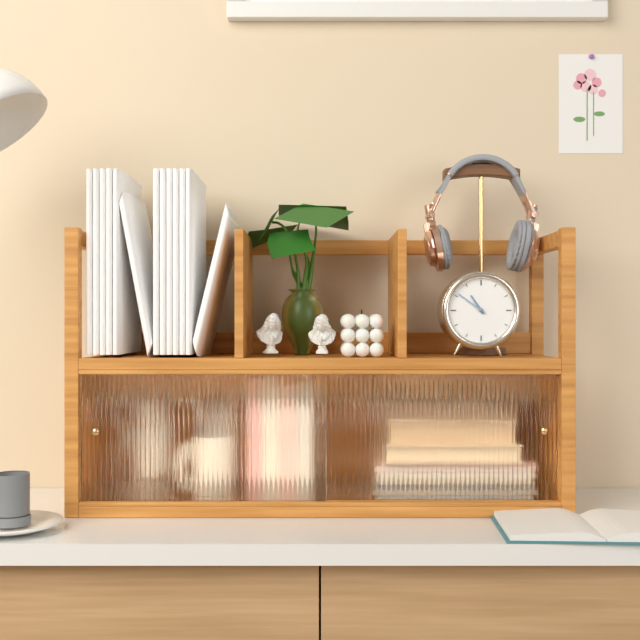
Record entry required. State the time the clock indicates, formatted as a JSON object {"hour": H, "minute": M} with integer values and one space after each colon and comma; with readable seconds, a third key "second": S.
{"hour": 10, "minute": 51}
